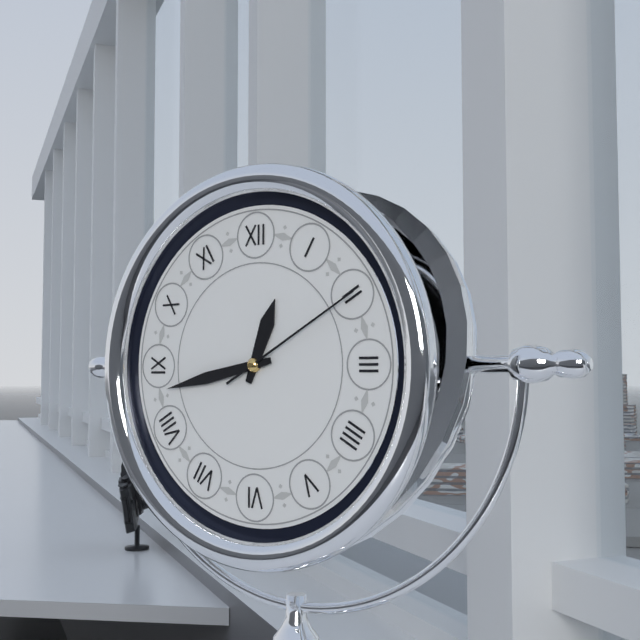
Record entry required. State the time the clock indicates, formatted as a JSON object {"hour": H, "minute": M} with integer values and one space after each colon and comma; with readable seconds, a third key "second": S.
{"hour": 12, "minute": 43, "second": 10}
